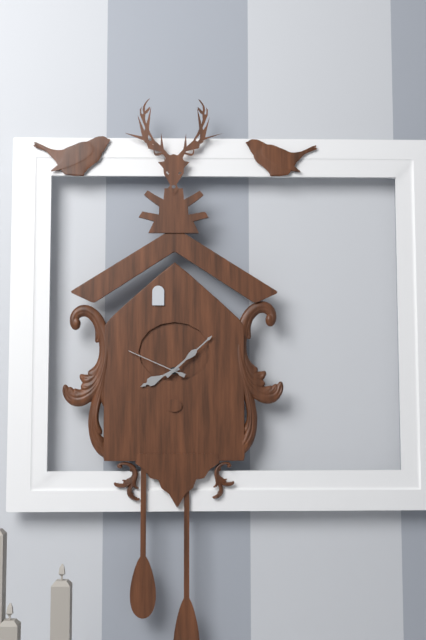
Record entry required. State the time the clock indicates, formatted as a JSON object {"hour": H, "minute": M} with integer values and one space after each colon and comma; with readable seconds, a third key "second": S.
{"hour": 8, "minute": 8, "second": 49}
